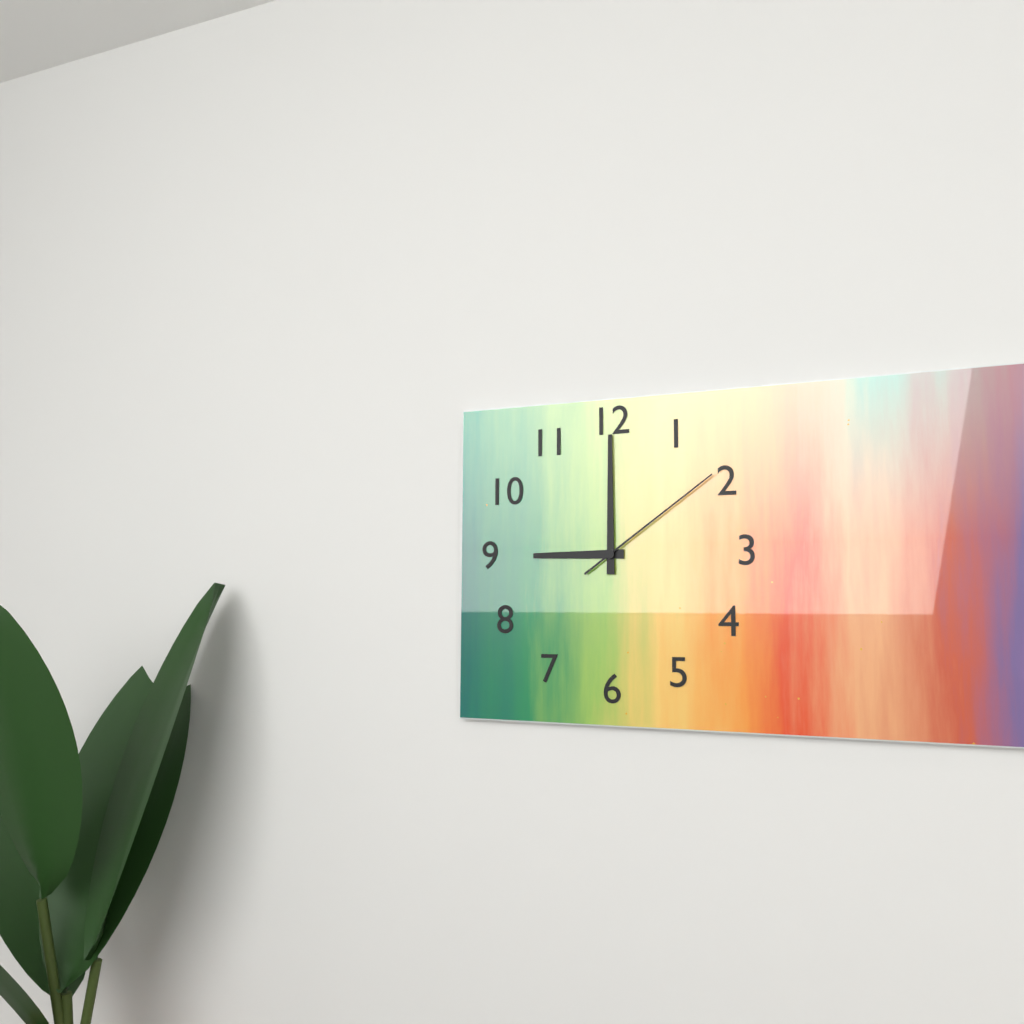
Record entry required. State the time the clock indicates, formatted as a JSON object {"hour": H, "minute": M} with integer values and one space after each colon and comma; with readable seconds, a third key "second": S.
{"hour": 9, "minute": 0, "second": 9}
